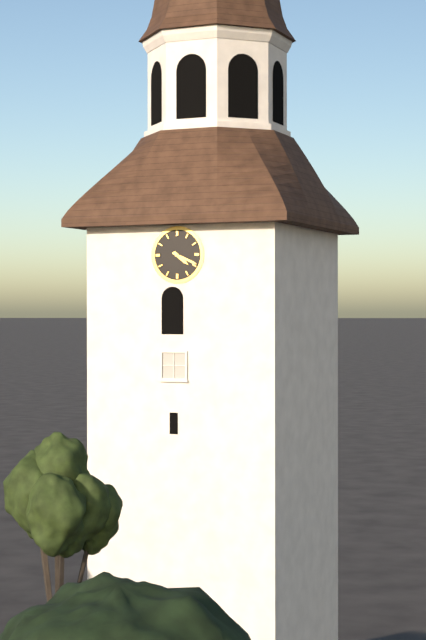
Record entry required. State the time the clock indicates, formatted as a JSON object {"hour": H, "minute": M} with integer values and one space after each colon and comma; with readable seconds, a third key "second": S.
{"hour": 4, "minute": 19}
